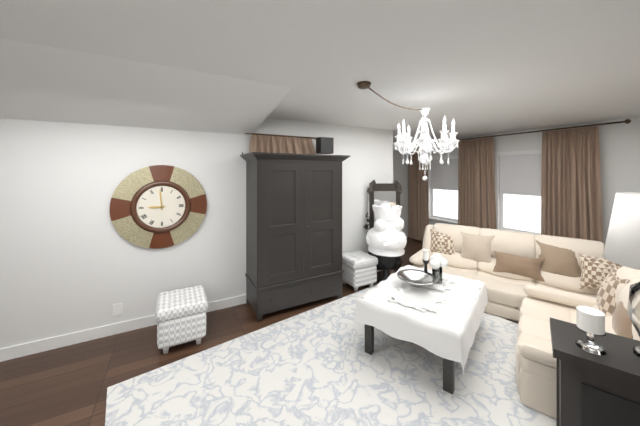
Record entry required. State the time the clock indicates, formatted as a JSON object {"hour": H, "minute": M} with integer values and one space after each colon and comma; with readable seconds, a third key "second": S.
{"hour": 8, "minute": 59}
